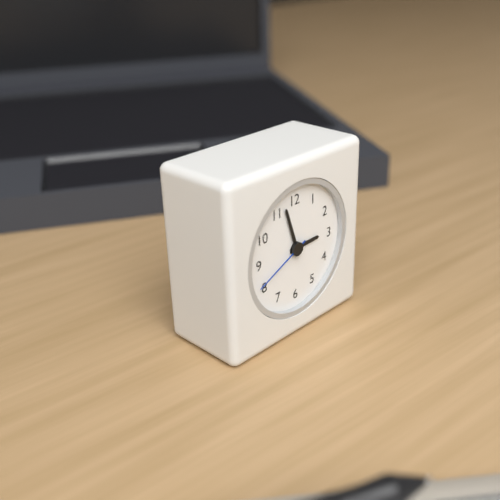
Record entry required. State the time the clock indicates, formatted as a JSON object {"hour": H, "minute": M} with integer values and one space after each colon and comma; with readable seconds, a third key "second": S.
{"hour": 2, "minute": 57, "second": 41}
